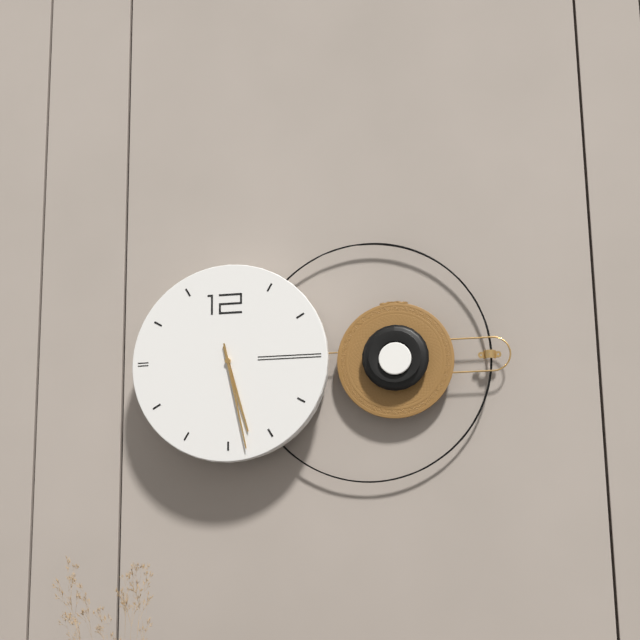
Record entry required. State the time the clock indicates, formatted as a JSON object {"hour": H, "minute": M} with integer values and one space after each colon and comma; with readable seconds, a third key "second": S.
{"hour": 5, "minute": 28}
